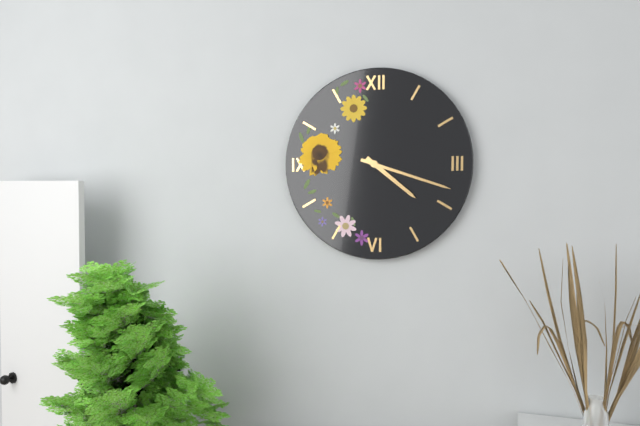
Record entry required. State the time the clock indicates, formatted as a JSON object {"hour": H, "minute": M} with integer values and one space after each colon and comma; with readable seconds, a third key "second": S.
{"hour": 4, "minute": 18}
